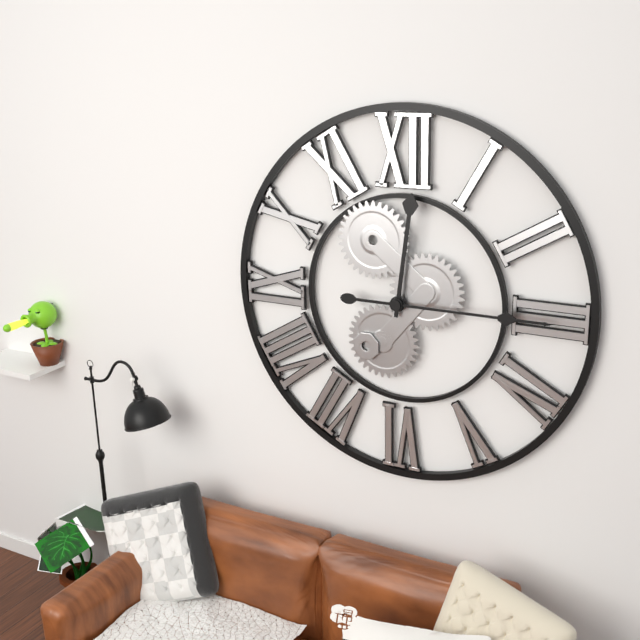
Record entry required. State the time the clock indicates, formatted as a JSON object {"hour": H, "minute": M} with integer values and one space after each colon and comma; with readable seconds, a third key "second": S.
{"hour": 12, "minute": 15}
